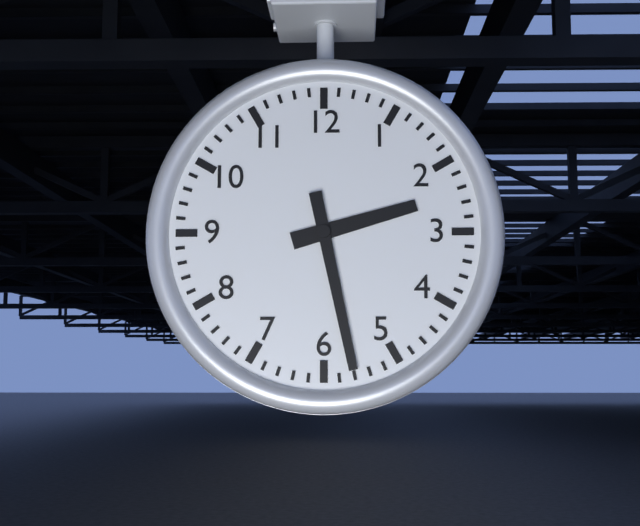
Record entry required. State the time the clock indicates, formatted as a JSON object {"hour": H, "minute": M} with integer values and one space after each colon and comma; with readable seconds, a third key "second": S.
{"hour": 2, "minute": 28}
